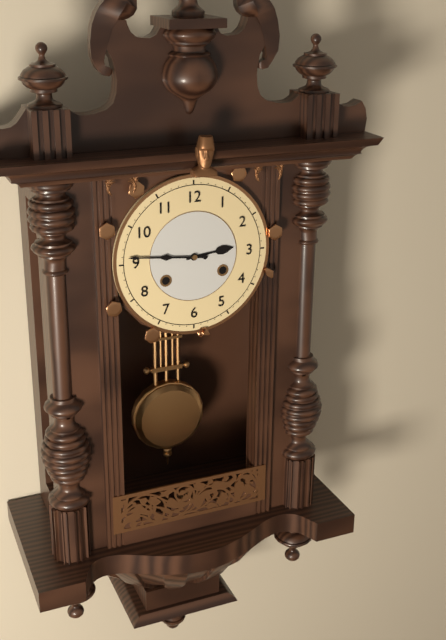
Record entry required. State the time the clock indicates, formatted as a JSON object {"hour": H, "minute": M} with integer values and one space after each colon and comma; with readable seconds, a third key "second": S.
{"hour": 2, "minute": 46}
